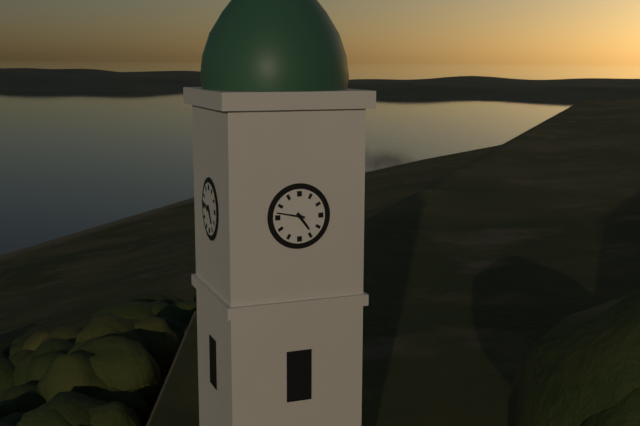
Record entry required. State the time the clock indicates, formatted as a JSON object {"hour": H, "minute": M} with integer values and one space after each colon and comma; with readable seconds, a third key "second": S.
{"hour": 4, "minute": 47}
